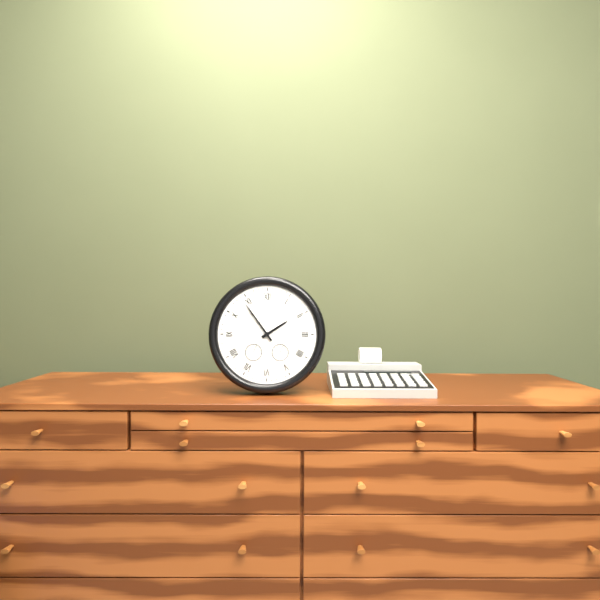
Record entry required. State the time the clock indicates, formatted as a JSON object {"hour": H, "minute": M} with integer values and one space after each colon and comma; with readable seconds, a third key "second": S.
{"hour": 1, "minute": 54}
